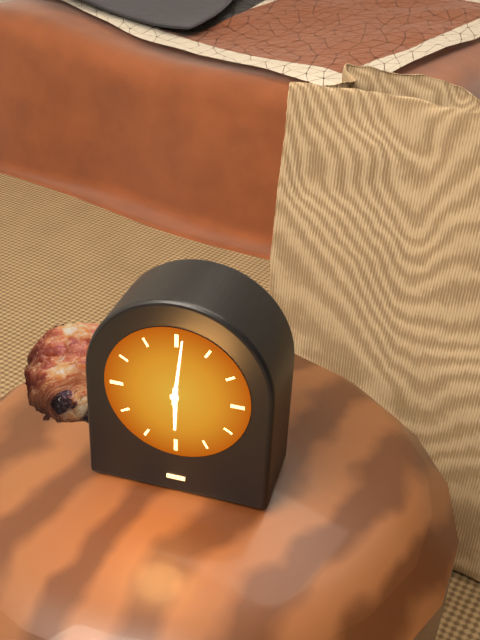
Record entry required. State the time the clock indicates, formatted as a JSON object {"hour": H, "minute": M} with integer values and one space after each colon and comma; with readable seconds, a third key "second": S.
{"hour": 6, "minute": 1}
